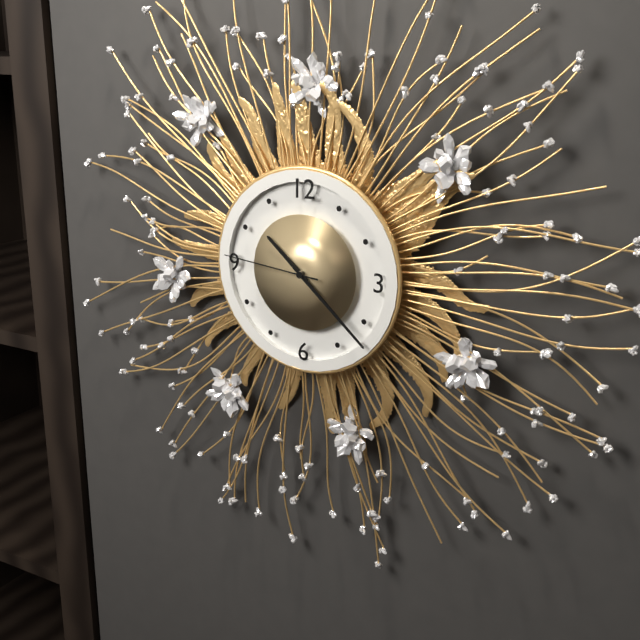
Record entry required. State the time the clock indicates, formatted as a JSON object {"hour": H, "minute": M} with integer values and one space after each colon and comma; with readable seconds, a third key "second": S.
{"hour": 10, "minute": 22, "second": 46}
